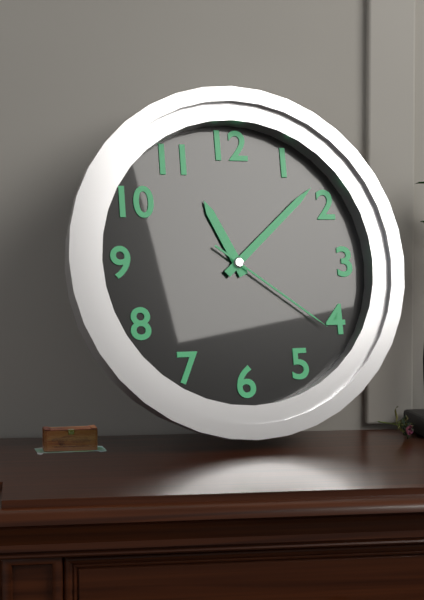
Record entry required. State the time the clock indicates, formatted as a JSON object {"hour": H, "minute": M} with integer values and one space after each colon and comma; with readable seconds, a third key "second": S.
{"hour": 11, "minute": 8, "second": 21}
